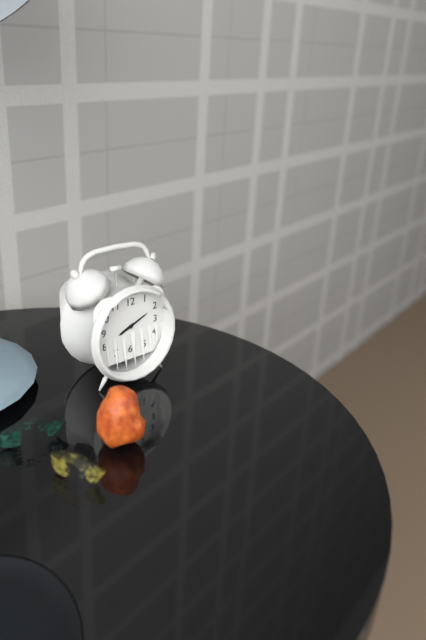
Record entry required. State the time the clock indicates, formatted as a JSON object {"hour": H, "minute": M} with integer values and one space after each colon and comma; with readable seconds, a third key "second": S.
{"hour": 8, "minute": 11}
